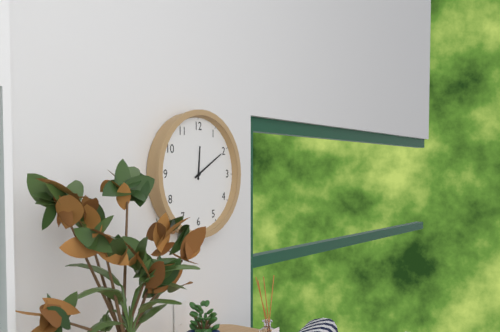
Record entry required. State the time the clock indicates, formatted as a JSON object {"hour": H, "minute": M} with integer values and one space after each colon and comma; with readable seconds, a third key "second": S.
{"hour": 12, "minute": 10}
